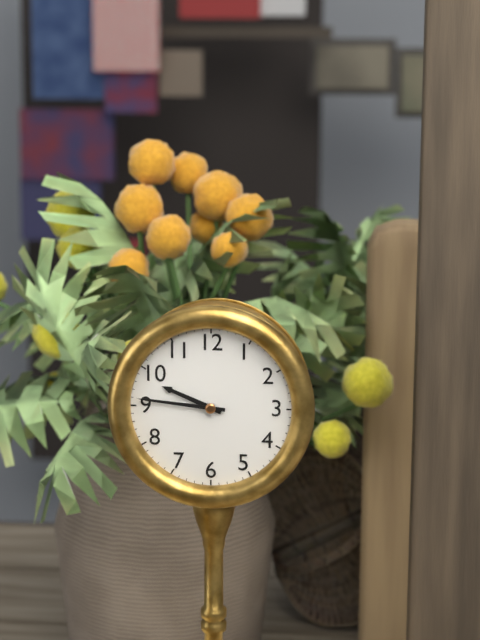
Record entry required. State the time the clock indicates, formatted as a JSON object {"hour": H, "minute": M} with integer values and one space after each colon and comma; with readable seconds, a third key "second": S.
{"hour": 9, "minute": 46}
